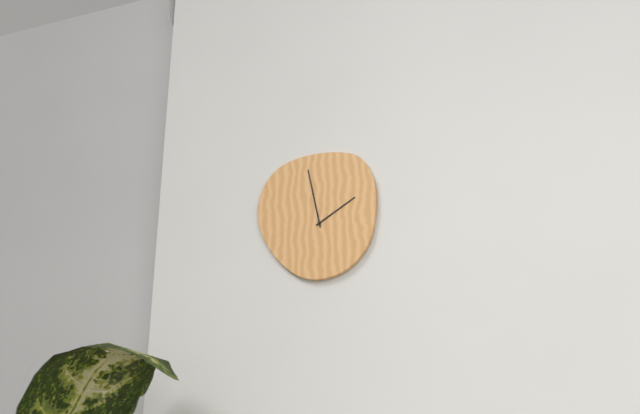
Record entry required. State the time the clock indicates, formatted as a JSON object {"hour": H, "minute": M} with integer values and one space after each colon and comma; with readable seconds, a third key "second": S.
{"hour": 1, "minute": 58}
